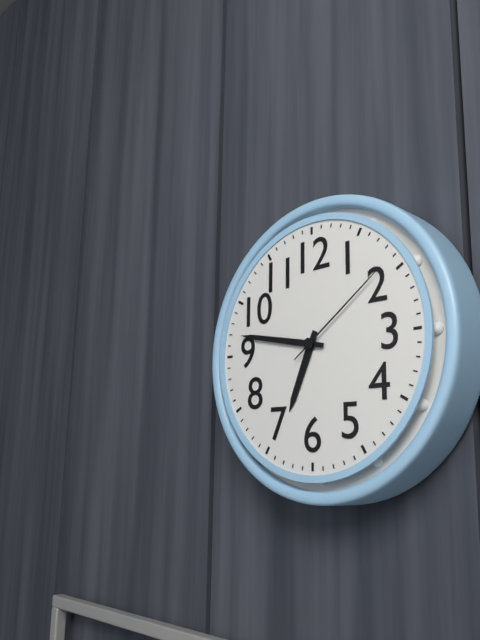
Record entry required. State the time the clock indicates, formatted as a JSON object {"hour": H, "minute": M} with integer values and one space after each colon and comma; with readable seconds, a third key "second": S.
{"hour": 6, "minute": 47, "second": 9}
